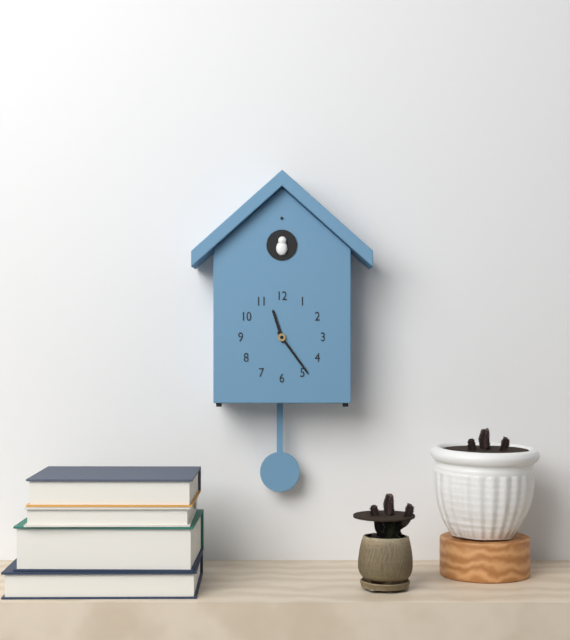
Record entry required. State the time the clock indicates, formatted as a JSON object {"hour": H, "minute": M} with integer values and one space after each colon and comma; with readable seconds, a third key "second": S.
{"hour": 11, "minute": 24}
